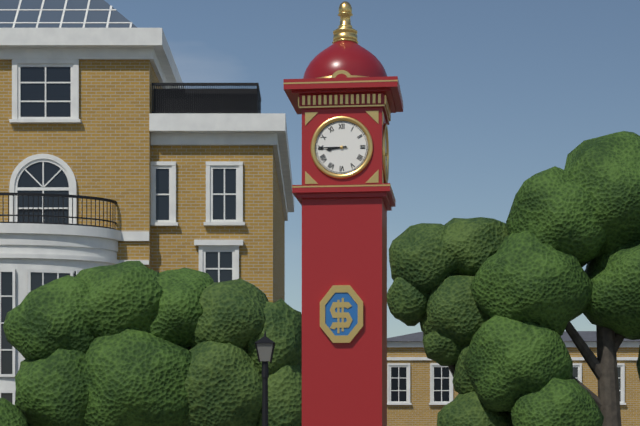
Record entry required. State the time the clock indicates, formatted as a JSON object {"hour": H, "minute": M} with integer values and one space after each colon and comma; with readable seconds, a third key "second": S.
{"hour": 8, "minute": 45}
